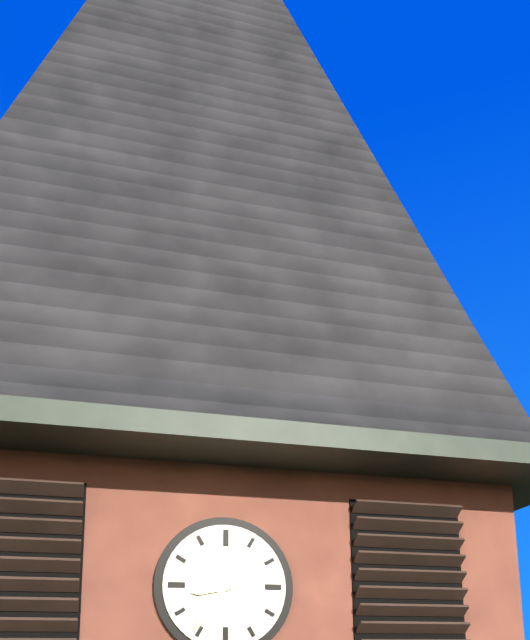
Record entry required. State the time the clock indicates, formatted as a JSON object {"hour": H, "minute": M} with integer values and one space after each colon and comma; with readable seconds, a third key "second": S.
{"hour": 8, "minute": 36}
